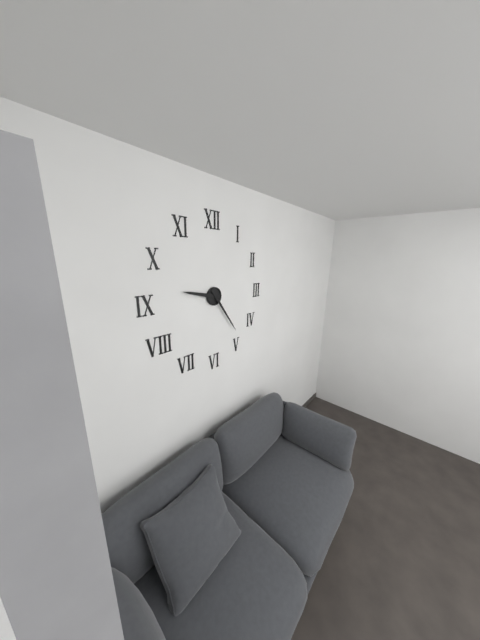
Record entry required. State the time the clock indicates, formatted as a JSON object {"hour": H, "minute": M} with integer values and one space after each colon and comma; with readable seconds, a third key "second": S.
{"hour": 9, "minute": 24}
